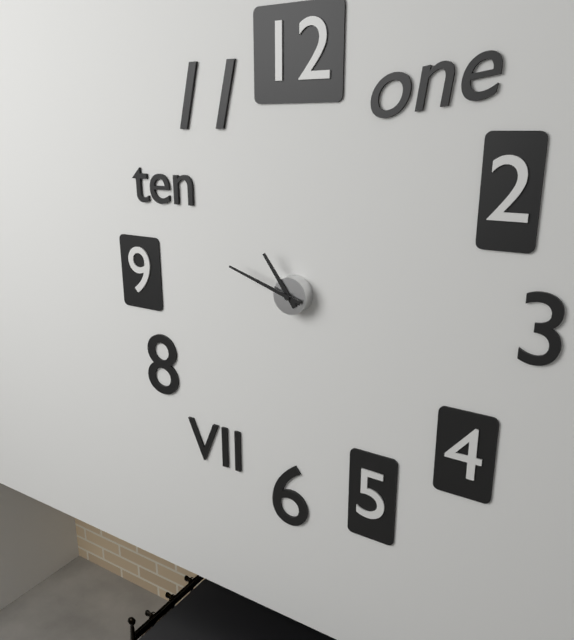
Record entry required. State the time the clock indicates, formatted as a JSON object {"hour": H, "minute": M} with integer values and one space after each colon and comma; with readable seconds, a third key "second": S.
{"hour": 10, "minute": 48}
